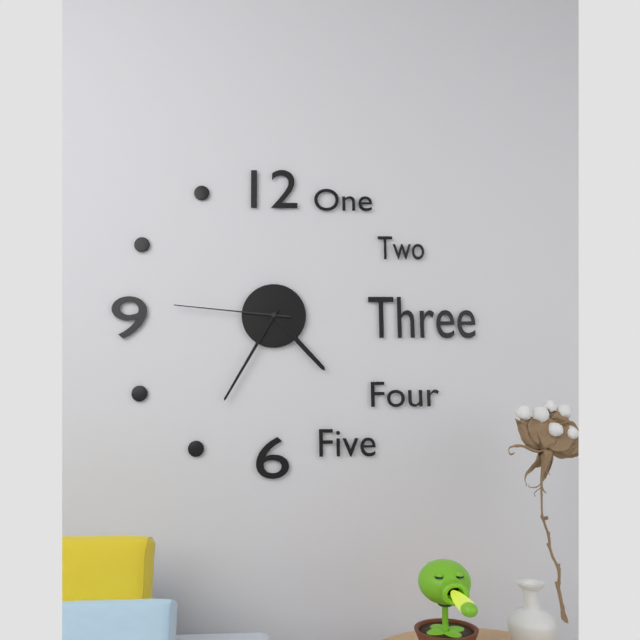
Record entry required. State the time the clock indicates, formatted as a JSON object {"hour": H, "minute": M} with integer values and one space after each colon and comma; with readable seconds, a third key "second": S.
{"hour": 4, "minute": 35, "second": 46}
